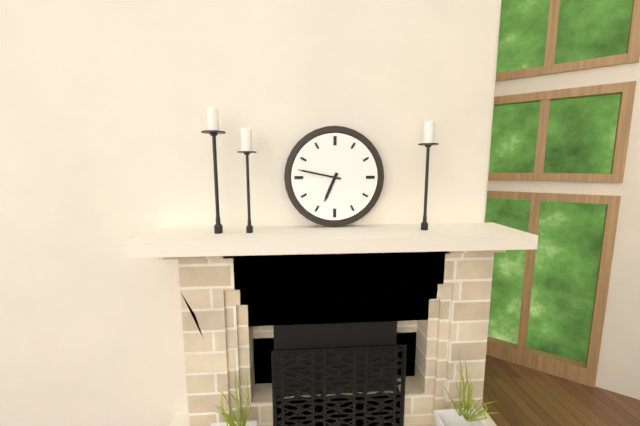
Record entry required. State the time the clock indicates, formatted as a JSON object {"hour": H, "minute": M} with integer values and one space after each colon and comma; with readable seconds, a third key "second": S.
{"hour": 6, "minute": 47}
